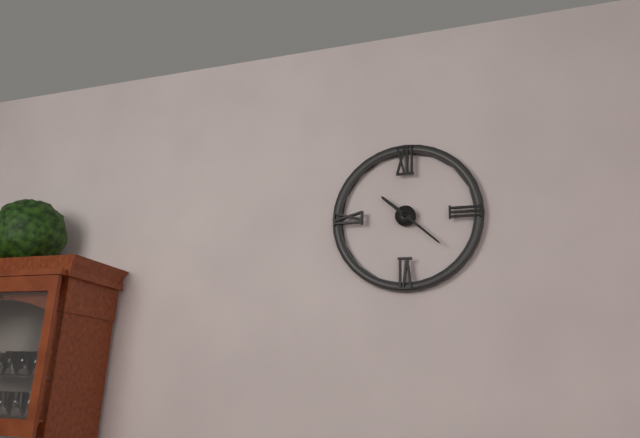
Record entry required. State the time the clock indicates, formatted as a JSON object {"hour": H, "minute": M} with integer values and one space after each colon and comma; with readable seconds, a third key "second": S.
{"hour": 10, "minute": 22}
